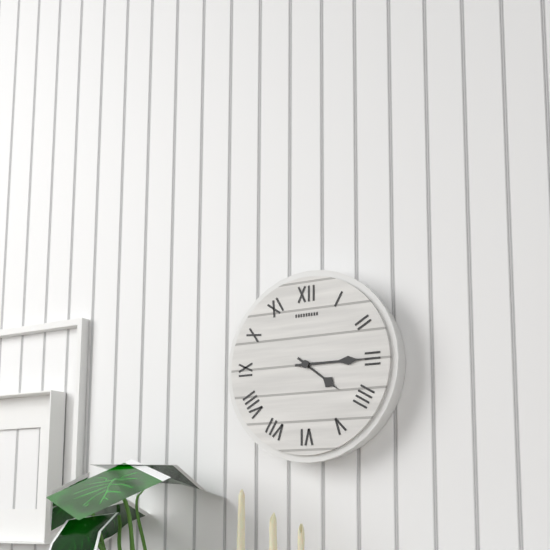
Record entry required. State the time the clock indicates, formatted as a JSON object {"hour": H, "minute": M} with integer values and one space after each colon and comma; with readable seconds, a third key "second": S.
{"hour": 4, "minute": 15}
